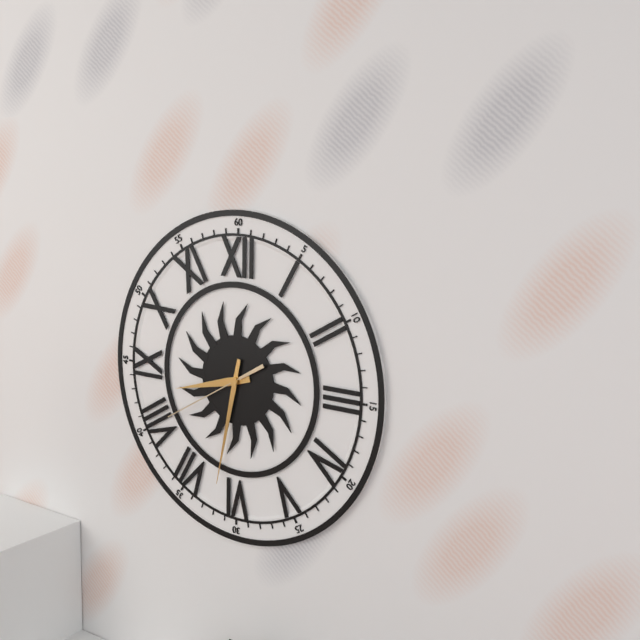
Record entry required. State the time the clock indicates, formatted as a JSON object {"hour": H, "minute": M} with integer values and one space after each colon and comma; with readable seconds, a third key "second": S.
{"hour": 8, "minute": 32, "second": 40}
